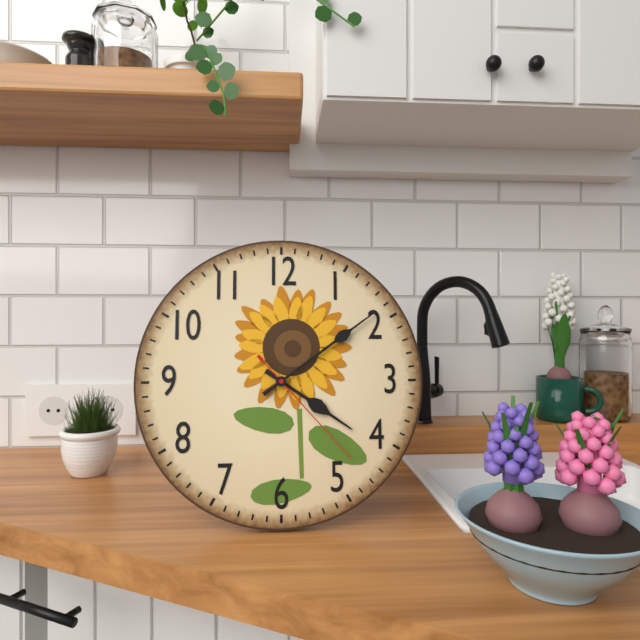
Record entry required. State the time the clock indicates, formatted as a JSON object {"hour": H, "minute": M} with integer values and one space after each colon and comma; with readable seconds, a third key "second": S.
{"hour": 4, "minute": 9, "second": 23}
